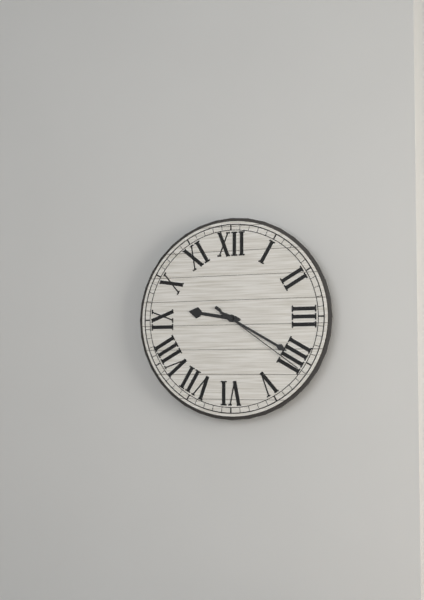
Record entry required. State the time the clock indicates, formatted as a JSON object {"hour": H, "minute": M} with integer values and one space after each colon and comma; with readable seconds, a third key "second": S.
{"hour": 9, "minute": 20, "second": 21}
